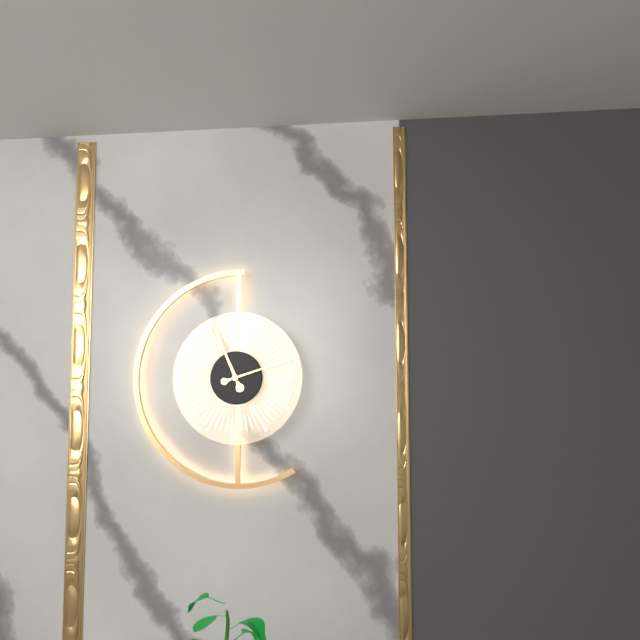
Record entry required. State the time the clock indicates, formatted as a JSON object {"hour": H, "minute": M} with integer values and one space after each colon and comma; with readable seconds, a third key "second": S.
{"hour": 11, "minute": 12}
